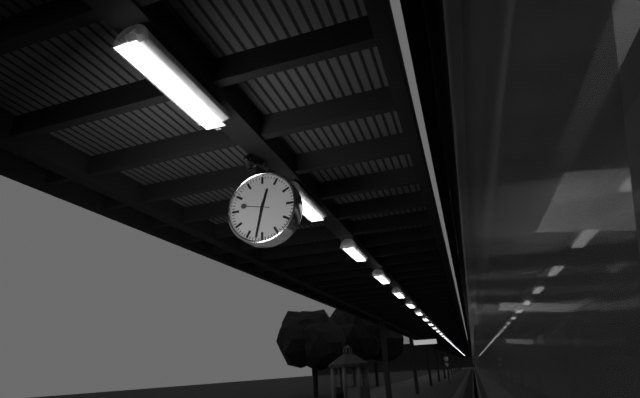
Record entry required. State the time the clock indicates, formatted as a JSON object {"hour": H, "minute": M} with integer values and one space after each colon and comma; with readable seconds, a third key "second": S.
{"hour": 12, "minute": 32}
